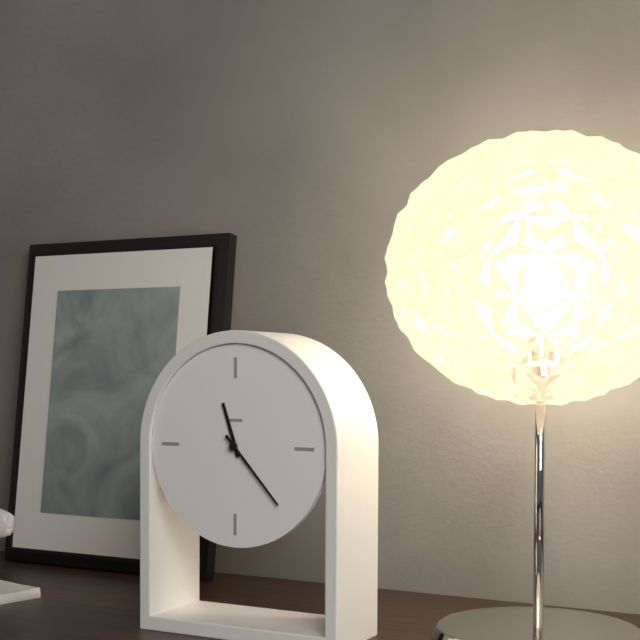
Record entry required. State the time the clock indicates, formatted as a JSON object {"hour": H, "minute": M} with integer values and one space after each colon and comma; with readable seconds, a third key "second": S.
{"hour": 11, "minute": 23}
